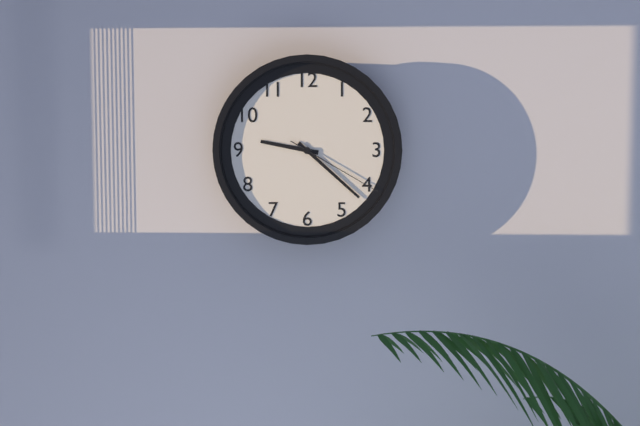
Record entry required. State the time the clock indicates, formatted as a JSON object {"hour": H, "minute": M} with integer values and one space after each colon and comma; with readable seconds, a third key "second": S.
{"hour": 9, "minute": 22, "second": 20}
